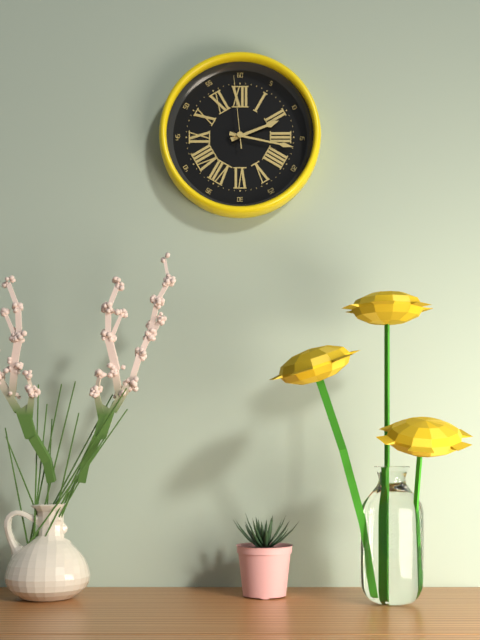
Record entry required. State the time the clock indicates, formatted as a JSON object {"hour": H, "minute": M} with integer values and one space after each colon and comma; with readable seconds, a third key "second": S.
{"hour": 2, "minute": 17, "second": 59}
